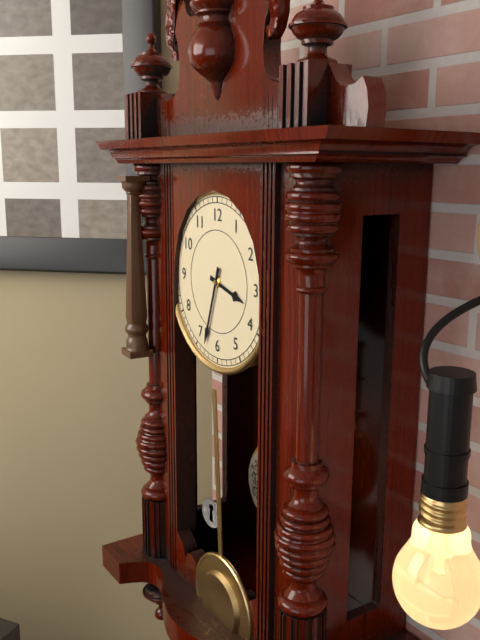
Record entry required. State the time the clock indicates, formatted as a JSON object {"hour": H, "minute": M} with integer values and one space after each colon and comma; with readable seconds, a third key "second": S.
{"hour": 3, "minute": 33}
